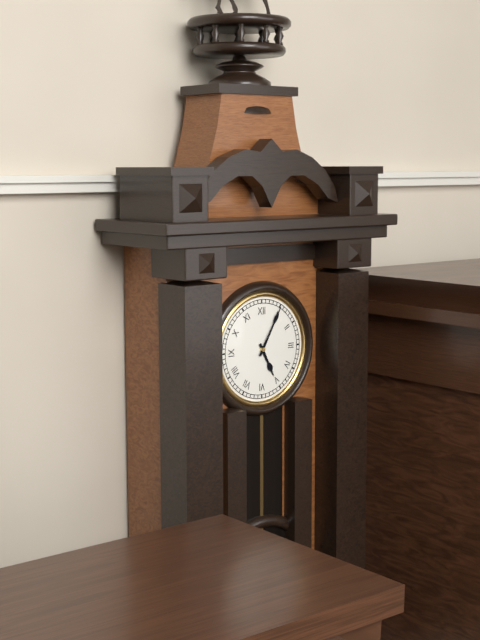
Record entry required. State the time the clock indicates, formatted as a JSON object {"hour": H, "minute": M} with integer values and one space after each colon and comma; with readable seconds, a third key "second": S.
{"hour": 5, "minute": 5}
